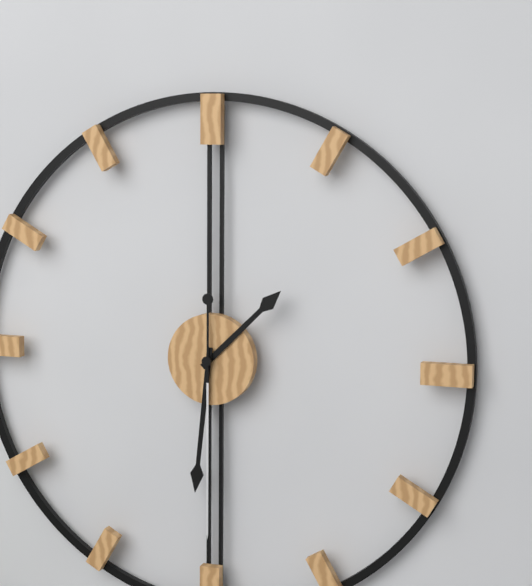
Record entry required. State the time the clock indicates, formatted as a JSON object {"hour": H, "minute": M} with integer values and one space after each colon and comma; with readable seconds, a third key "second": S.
{"hour": 1, "minute": 31, "second": 30}
